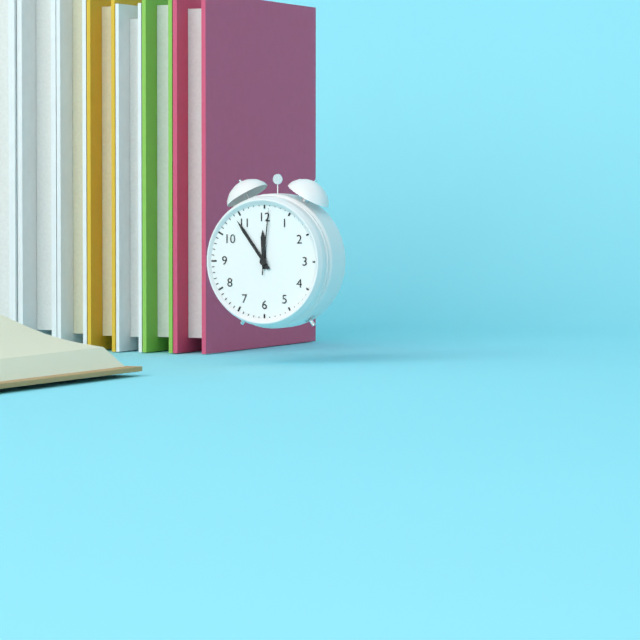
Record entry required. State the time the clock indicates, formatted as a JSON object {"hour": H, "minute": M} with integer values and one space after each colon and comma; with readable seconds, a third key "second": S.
{"hour": 11, "minute": 54, "second": 1}
